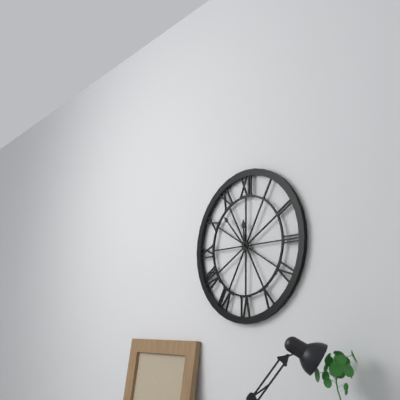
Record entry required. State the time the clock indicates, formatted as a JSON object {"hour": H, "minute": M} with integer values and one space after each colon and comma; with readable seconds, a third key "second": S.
{"hour": 11, "minute": 53}
